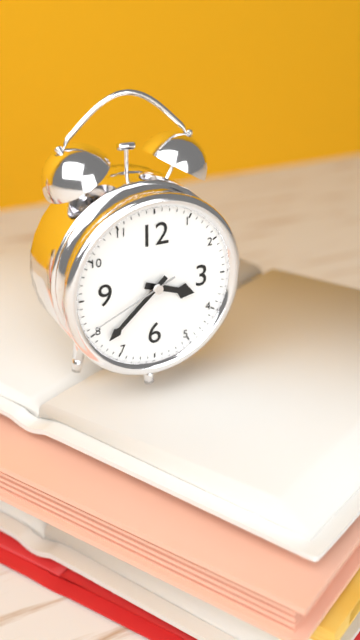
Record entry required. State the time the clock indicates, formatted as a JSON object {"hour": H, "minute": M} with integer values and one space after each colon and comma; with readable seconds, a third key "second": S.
{"hour": 3, "minute": 38, "second": 41}
